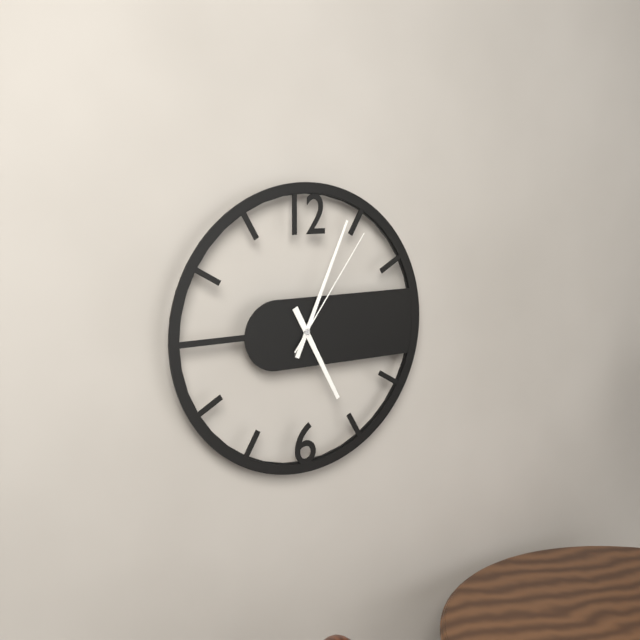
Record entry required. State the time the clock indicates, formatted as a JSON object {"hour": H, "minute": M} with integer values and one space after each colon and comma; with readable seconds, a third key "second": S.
{"hour": 5, "minute": 4, "second": 6}
